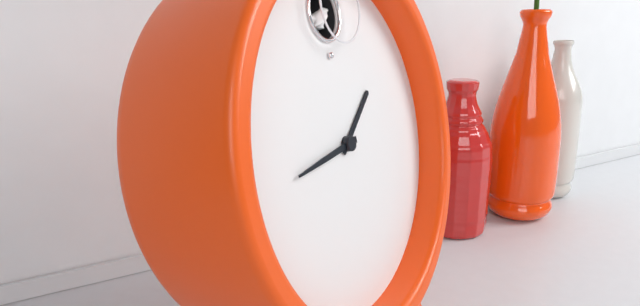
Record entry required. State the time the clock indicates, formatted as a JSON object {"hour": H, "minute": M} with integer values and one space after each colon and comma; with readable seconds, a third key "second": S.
{"hour": 1, "minute": 44}
